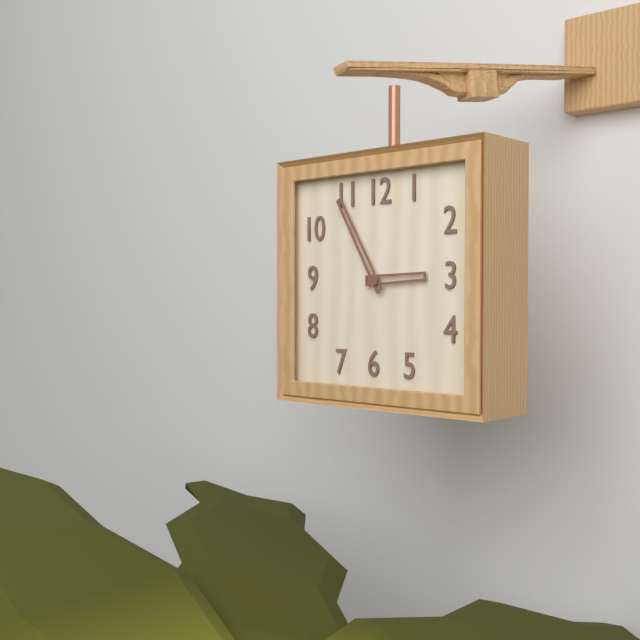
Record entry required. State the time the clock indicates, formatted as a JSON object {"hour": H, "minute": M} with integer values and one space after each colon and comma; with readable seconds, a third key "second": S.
{"hour": 2, "minute": 55}
